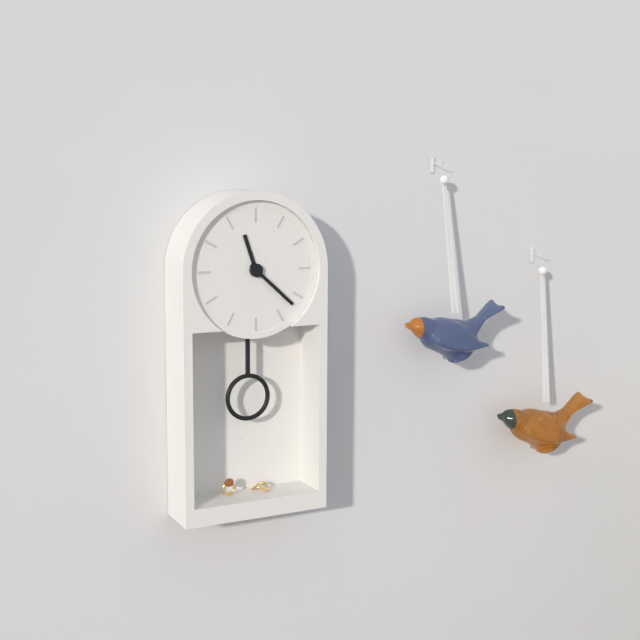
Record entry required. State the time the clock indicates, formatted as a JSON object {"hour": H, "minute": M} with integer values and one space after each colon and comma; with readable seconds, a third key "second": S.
{"hour": 11, "minute": 22}
